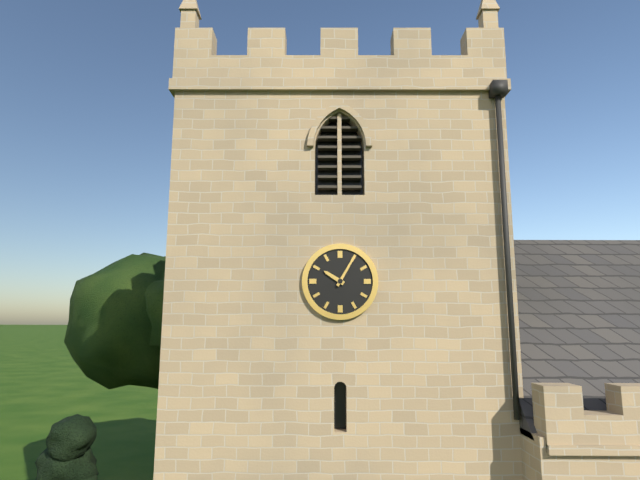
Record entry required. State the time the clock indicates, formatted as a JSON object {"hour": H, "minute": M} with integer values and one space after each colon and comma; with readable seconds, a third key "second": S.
{"hour": 10, "minute": 5}
